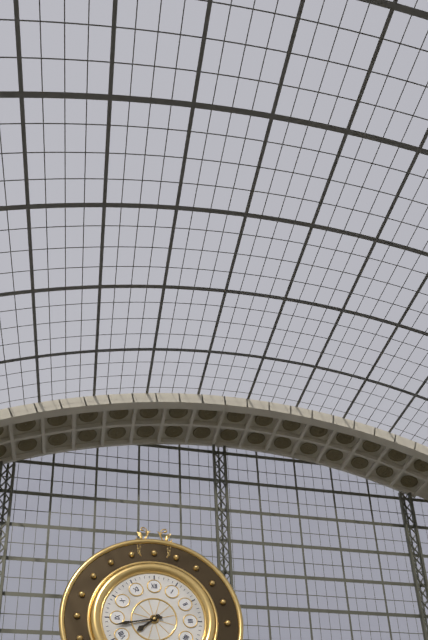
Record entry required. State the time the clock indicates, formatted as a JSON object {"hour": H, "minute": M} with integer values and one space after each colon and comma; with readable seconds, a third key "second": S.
{"hour": 7, "minute": 43}
